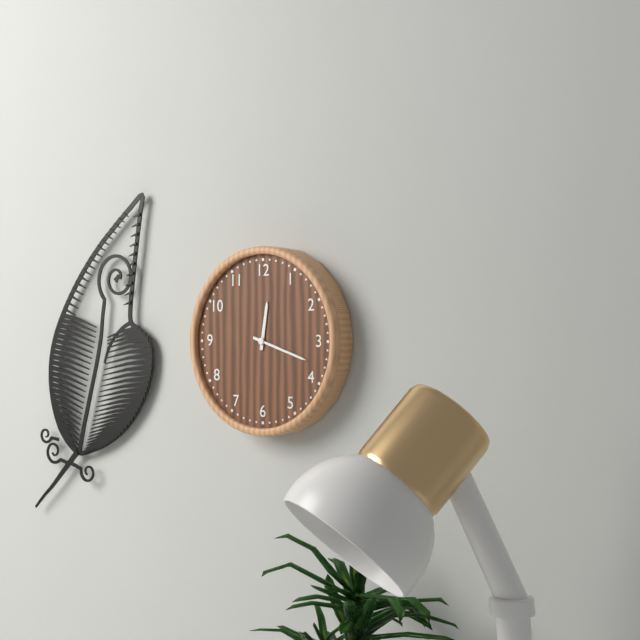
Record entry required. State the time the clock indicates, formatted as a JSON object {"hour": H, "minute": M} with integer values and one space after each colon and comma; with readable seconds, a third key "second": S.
{"hour": 12, "minute": 18}
